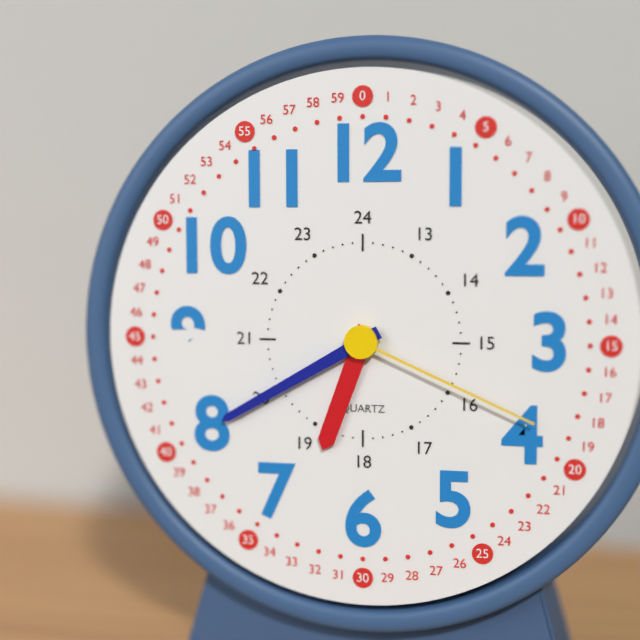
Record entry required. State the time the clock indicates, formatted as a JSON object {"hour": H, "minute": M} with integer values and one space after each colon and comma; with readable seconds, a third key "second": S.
{"hour": 6, "minute": 40, "second": 19}
